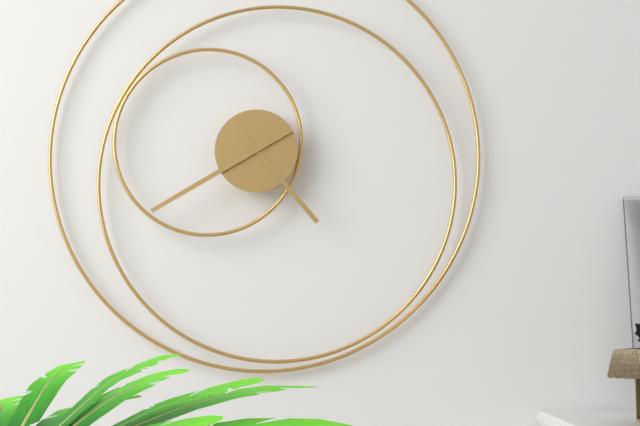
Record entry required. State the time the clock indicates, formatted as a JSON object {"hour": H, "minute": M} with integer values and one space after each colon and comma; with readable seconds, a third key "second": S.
{"hour": 4, "minute": 40}
